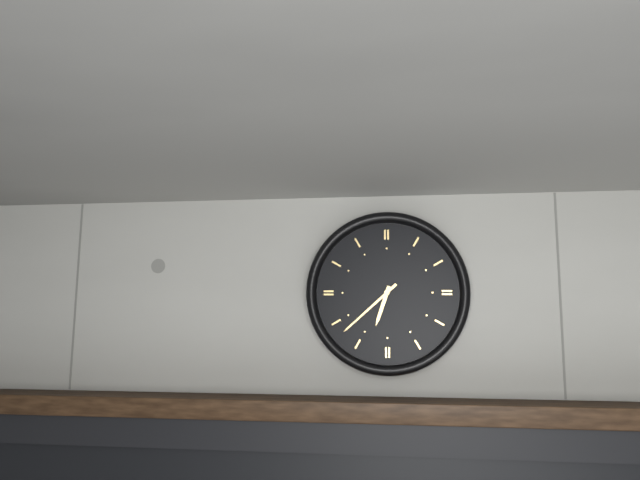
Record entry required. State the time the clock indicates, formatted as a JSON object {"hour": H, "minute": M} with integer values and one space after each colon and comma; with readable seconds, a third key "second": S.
{"hour": 6, "minute": 38}
